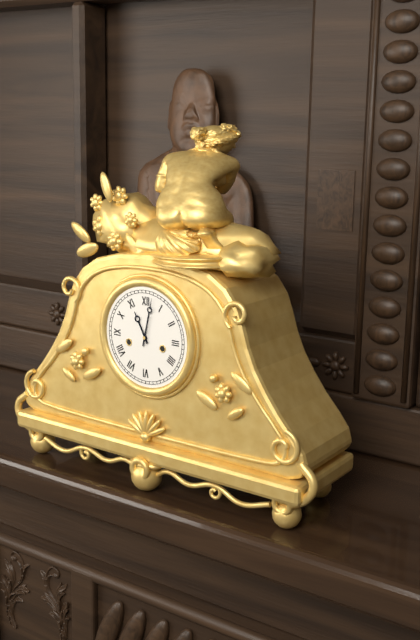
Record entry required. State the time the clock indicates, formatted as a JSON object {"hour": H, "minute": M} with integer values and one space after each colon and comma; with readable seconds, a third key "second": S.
{"hour": 11, "minute": 2}
